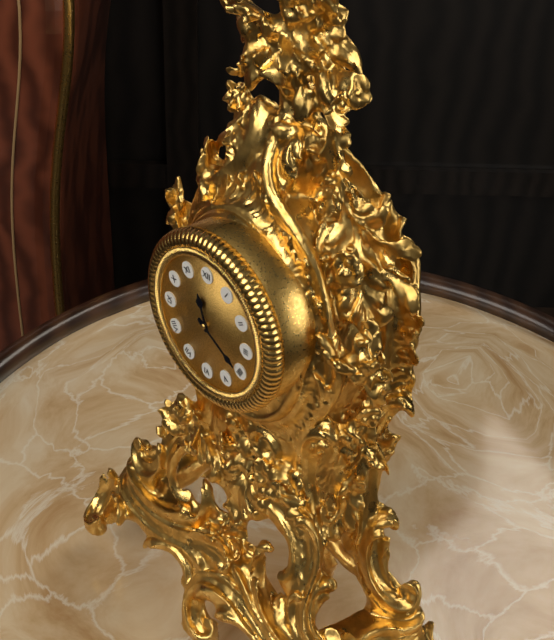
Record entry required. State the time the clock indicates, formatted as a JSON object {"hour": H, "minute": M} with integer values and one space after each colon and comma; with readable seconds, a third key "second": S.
{"hour": 11, "minute": 20}
